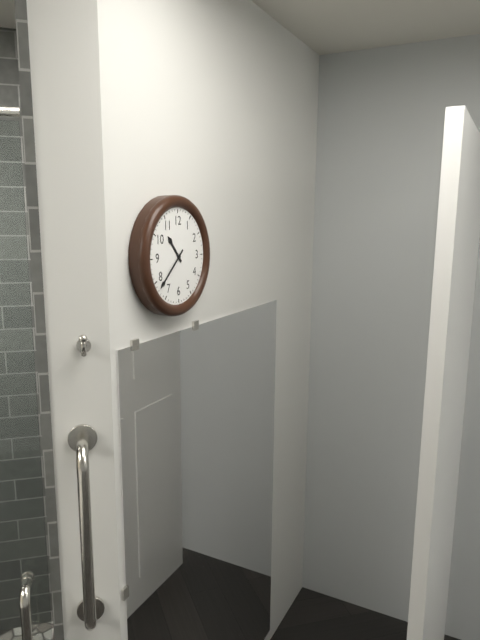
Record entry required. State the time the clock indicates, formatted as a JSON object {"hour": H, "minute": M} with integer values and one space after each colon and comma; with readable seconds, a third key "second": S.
{"hour": 10, "minute": 38}
